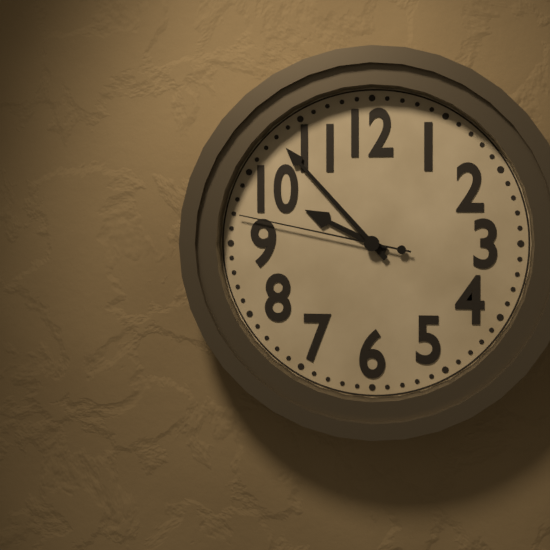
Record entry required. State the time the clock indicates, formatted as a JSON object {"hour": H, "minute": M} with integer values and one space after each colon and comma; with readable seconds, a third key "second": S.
{"hour": 9, "minute": 53, "second": 47}
